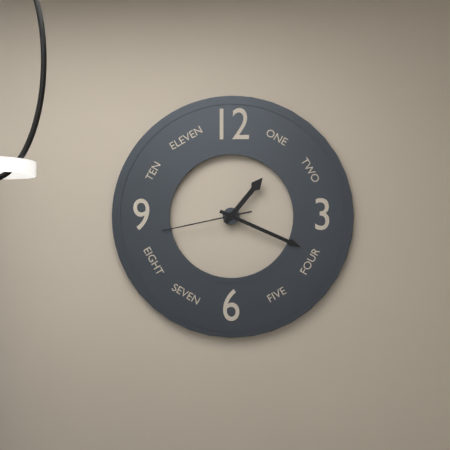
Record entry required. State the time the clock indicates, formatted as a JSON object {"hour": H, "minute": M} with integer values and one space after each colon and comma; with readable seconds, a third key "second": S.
{"hour": 1, "minute": 19, "second": 43}
